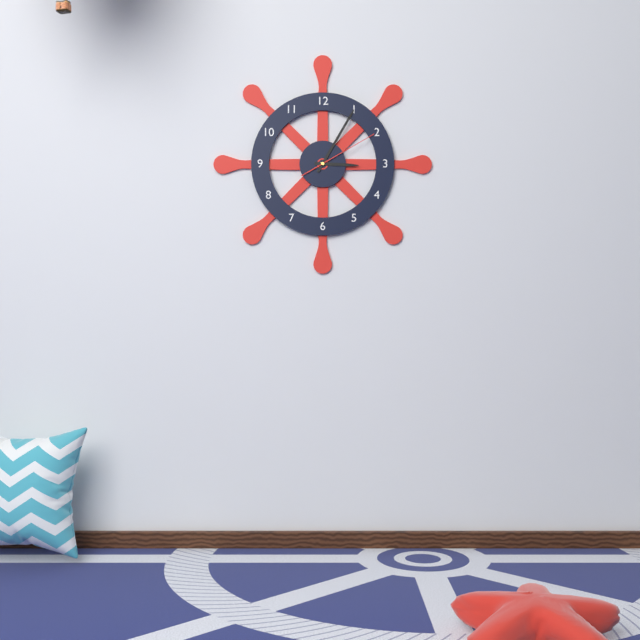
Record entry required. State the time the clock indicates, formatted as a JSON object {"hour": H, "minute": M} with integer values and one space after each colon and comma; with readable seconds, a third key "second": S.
{"hour": 3, "minute": 5, "second": 10}
